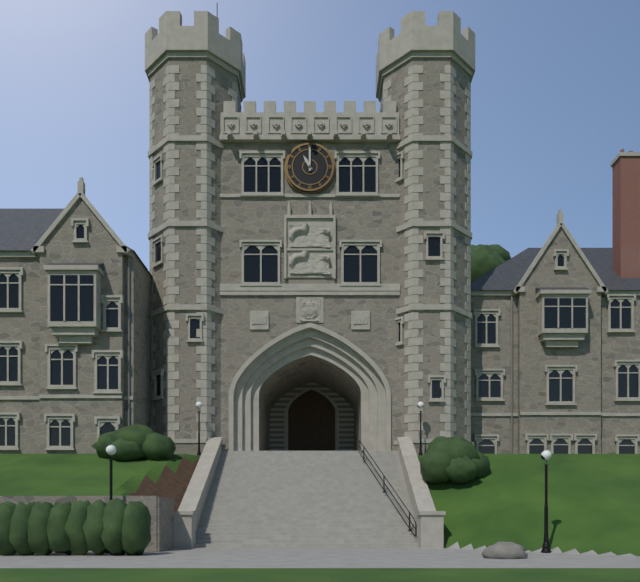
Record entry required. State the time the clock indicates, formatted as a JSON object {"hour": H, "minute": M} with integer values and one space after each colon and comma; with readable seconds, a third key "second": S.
{"hour": 11, "minute": 0}
